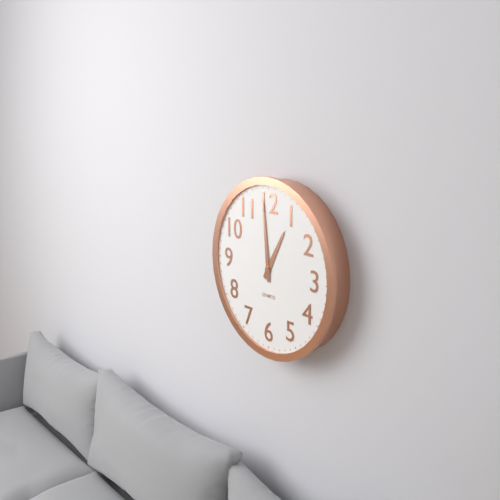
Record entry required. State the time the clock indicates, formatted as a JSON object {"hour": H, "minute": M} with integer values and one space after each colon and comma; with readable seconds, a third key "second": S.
{"hour": 12, "minute": 59}
